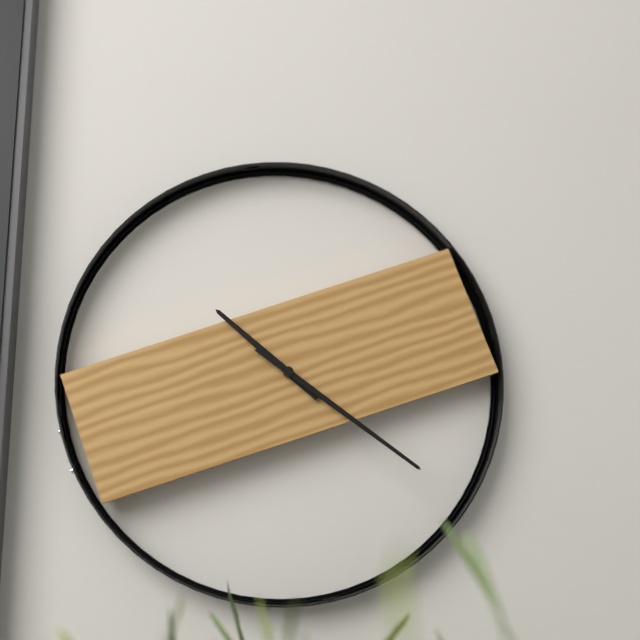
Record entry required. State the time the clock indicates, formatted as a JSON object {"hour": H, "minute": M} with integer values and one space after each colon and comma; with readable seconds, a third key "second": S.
{"hour": 10, "minute": 21}
